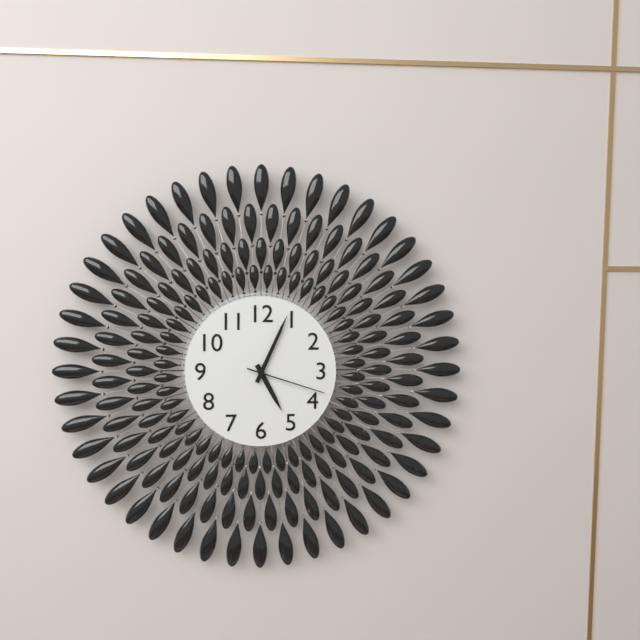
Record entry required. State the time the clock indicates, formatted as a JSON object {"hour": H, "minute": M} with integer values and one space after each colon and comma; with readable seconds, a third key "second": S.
{"hour": 5, "minute": 4, "second": 18}
